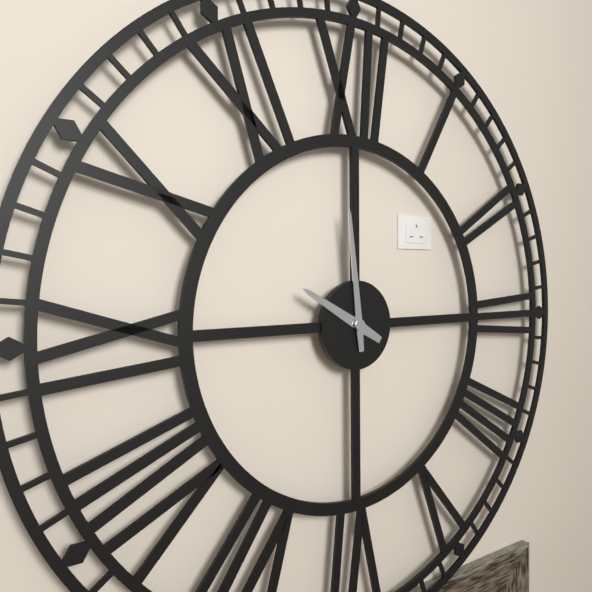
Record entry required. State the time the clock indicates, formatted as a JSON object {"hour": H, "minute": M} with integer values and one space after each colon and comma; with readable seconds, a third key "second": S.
{"hour": 9, "minute": 59}
